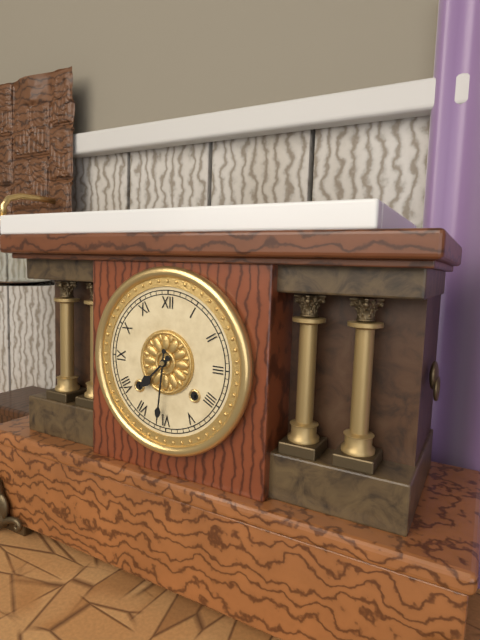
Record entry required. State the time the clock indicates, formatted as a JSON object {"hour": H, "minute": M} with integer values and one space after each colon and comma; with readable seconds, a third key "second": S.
{"hour": 7, "minute": 31}
